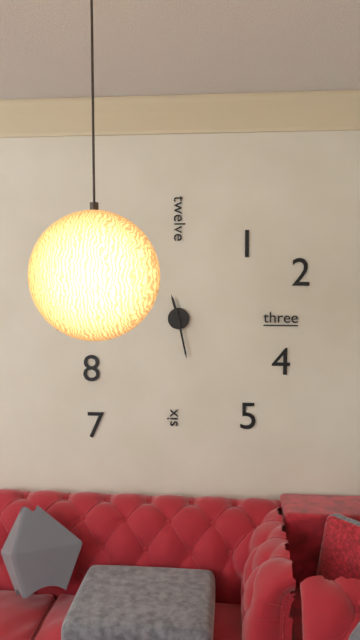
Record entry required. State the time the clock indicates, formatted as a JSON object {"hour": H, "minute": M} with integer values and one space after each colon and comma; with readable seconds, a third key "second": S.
{"hour": 11, "minute": 28}
